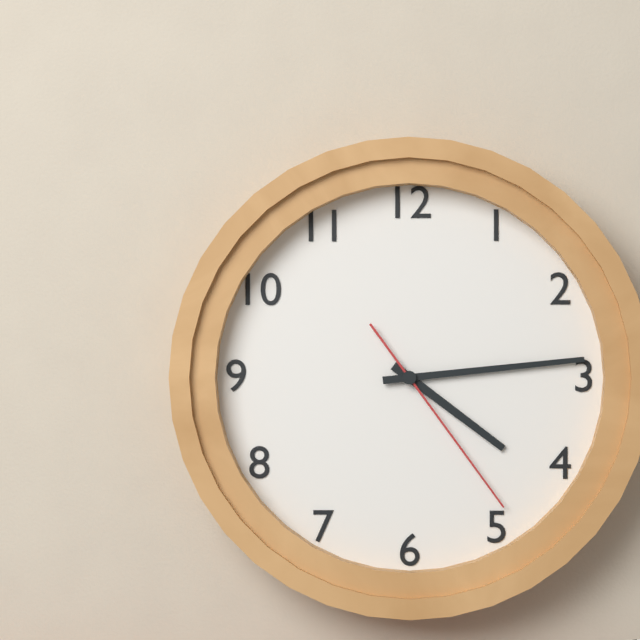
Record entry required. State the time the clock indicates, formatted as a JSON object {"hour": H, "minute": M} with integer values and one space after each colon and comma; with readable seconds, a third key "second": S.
{"hour": 4, "minute": 14, "second": 24}
